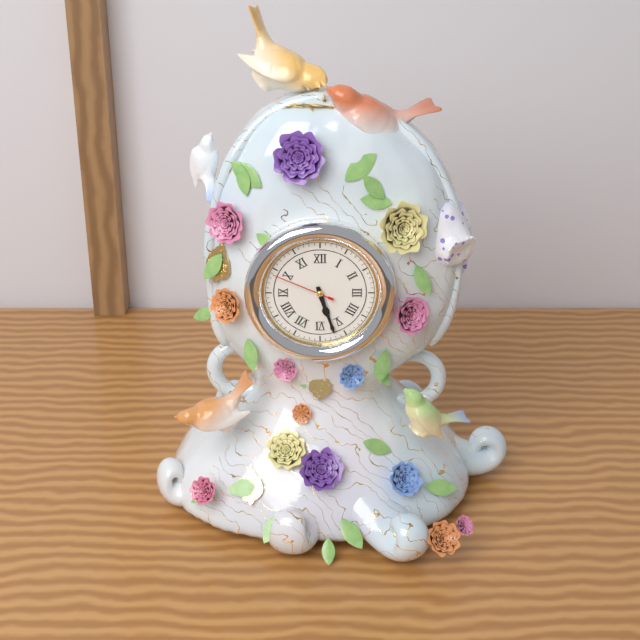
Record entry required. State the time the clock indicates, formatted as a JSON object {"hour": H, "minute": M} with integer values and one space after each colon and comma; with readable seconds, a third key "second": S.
{"hour": 5, "minute": 27, "second": 49}
